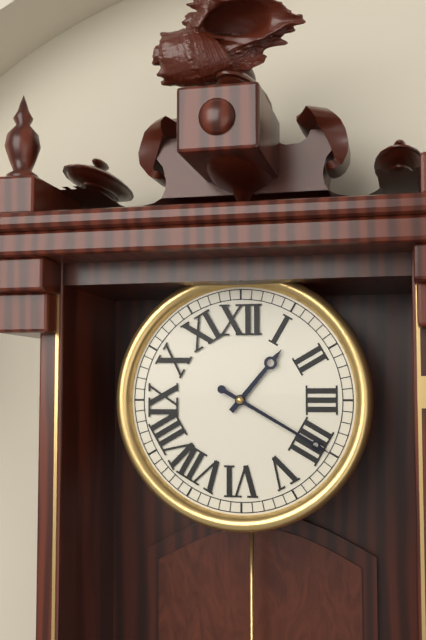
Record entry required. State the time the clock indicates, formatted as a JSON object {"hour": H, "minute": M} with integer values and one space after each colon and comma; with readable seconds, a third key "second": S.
{"hour": 1, "minute": 20}
